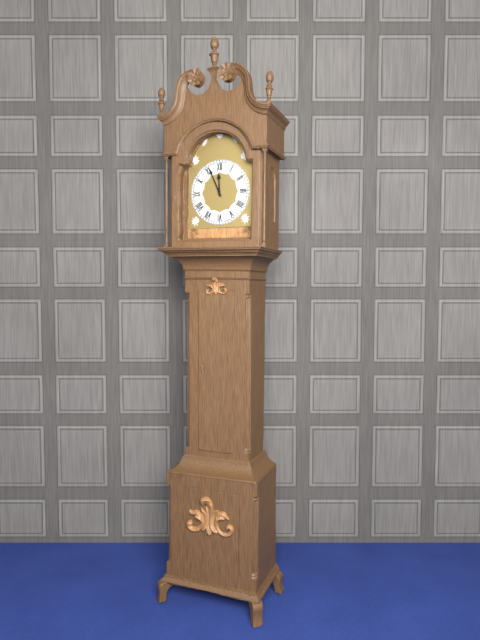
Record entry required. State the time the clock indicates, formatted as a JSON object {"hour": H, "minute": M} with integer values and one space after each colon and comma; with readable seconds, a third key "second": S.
{"hour": 11, "minute": 56}
